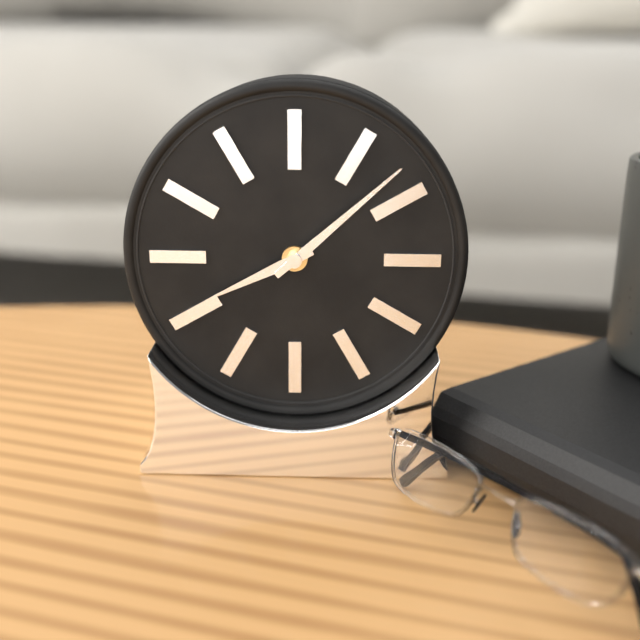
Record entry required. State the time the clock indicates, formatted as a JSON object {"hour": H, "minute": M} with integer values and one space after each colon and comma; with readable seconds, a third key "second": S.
{"hour": 8, "minute": 8}
